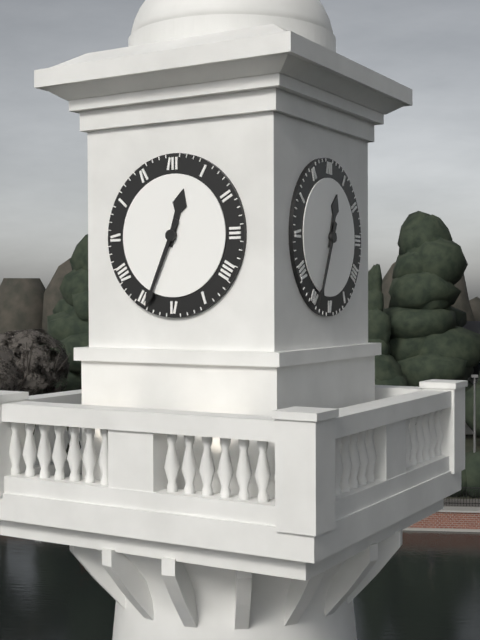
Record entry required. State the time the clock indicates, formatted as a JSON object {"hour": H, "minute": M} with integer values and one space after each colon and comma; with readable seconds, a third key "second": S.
{"hour": 12, "minute": 34}
